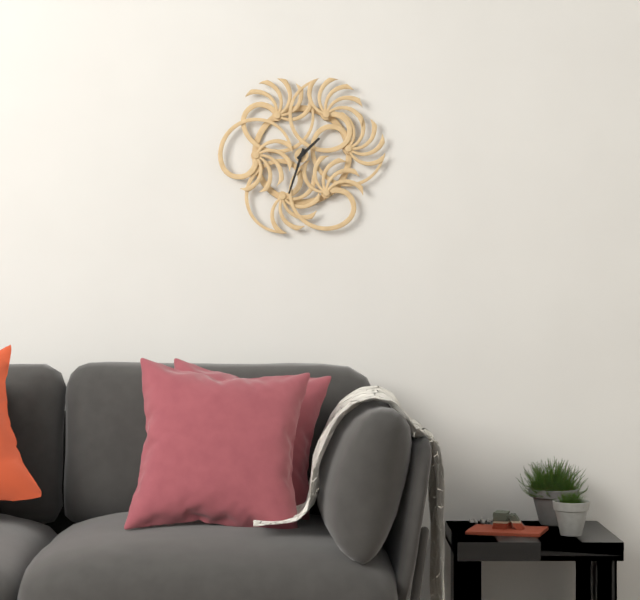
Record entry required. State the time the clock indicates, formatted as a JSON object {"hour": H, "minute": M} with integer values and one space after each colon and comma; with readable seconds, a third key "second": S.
{"hour": 1, "minute": 33}
